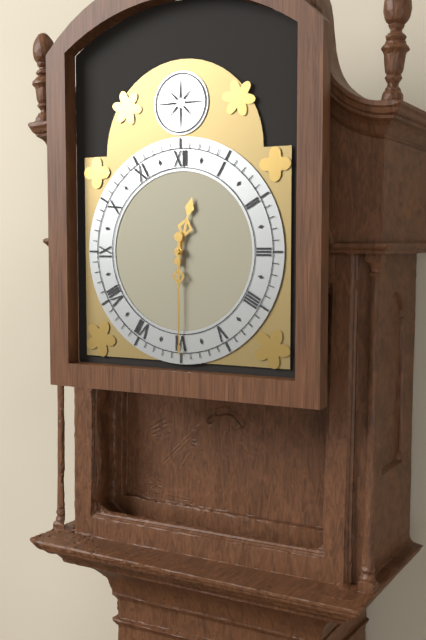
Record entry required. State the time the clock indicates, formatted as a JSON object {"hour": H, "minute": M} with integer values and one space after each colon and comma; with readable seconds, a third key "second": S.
{"hour": 12, "minute": 30}
